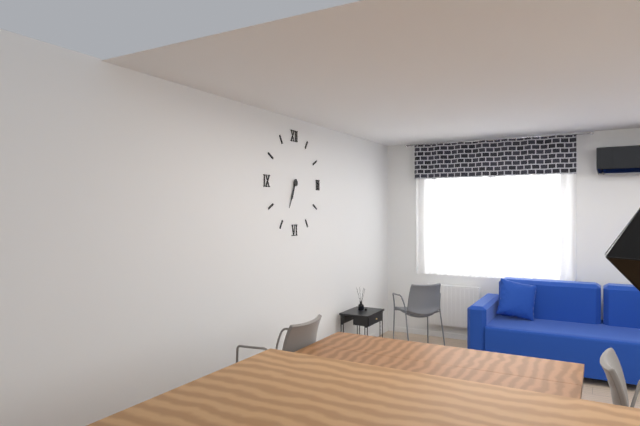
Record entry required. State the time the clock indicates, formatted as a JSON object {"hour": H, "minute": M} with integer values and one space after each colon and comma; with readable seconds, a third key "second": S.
{"hour": 6, "minute": 34}
